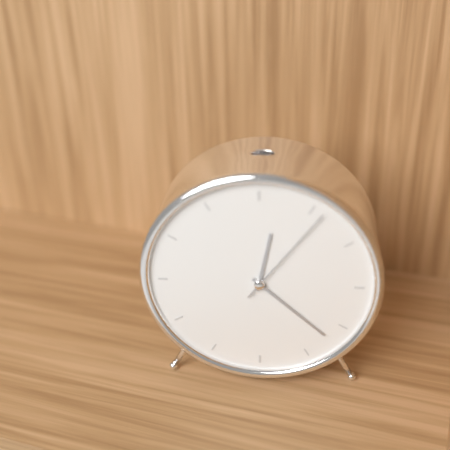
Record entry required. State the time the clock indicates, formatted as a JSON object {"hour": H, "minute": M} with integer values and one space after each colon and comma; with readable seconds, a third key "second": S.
{"hour": 12, "minute": 22, "second": 6}
